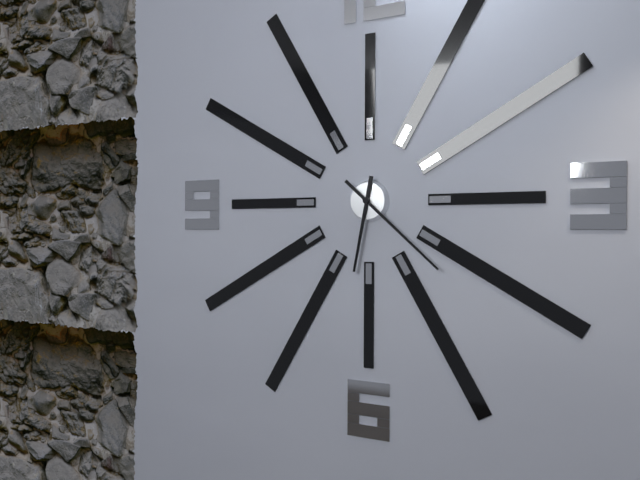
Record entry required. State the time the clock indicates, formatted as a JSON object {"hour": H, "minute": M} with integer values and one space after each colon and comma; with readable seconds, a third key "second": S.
{"hour": 6, "minute": 22}
